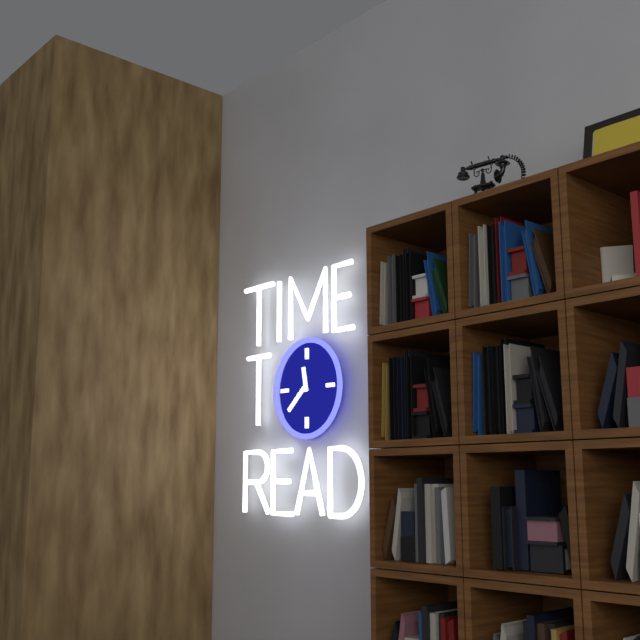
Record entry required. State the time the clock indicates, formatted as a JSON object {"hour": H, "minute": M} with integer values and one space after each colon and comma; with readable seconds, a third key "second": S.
{"hour": 11, "minute": 38}
